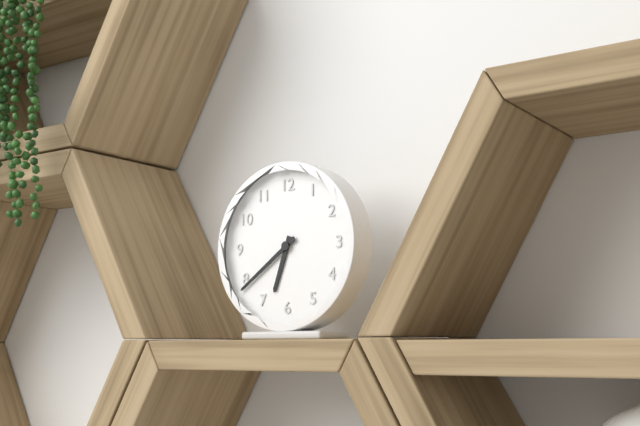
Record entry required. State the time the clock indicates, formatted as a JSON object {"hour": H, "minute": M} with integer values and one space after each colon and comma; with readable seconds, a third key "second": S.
{"hour": 6, "minute": 39}
